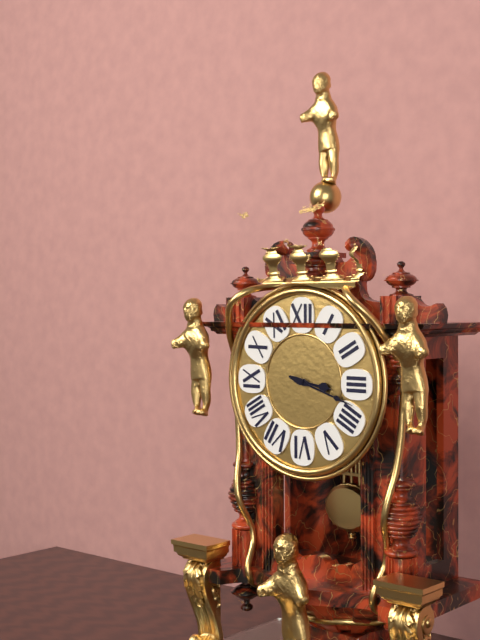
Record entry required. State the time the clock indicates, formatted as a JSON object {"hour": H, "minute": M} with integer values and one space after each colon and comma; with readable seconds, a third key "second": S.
{"hour": 3, "minute": 18}
